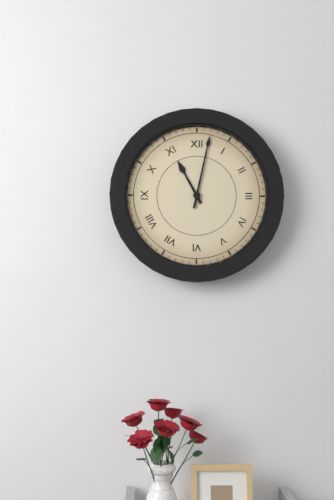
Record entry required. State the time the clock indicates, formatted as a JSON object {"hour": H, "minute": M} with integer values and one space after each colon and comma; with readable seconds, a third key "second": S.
{"hour": 11, "minute": 2}
